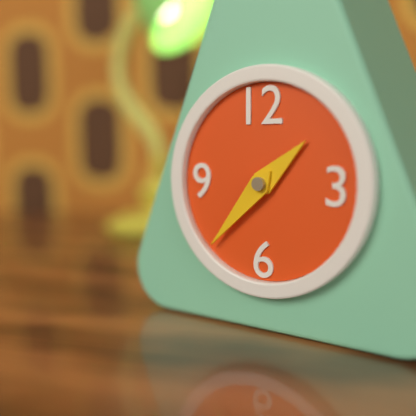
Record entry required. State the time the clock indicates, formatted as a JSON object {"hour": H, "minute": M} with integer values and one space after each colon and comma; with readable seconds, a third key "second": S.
{"hour": 1, "minute": 37}
